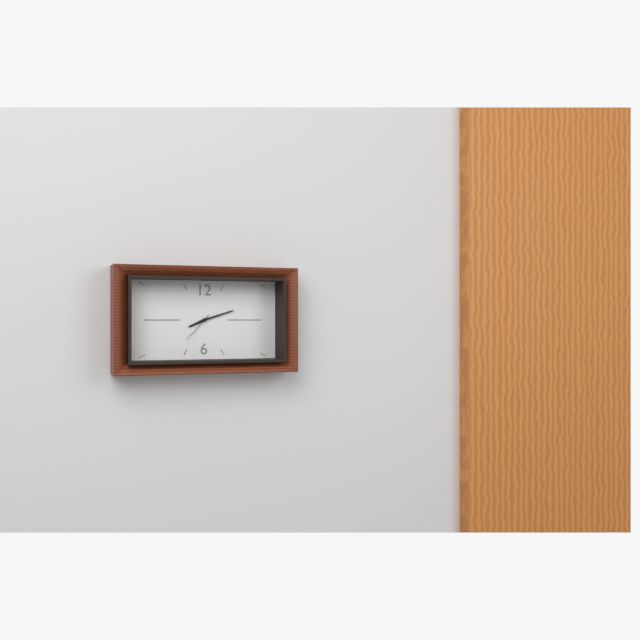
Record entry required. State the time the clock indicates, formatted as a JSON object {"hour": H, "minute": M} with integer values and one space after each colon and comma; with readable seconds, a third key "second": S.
{"hour": 8, "minute": 12}
